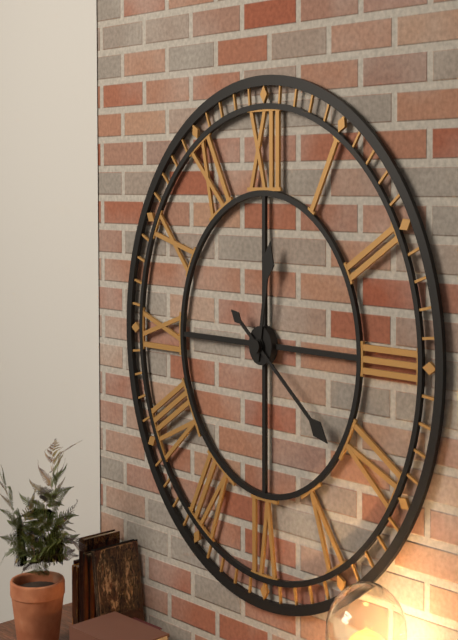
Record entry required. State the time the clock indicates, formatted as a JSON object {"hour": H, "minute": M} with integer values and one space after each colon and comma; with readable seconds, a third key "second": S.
{"hour": 12, "minute": 21}
